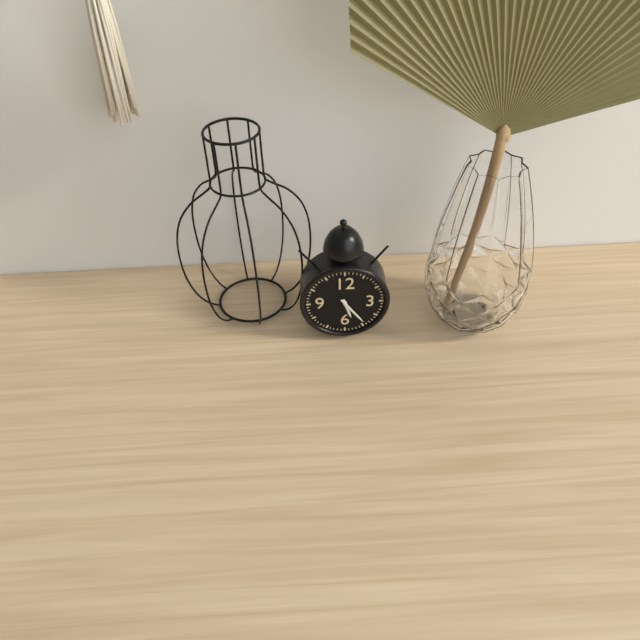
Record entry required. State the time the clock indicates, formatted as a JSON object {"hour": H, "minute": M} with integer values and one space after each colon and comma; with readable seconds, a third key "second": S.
{"hour": 5, "minute": 24}
